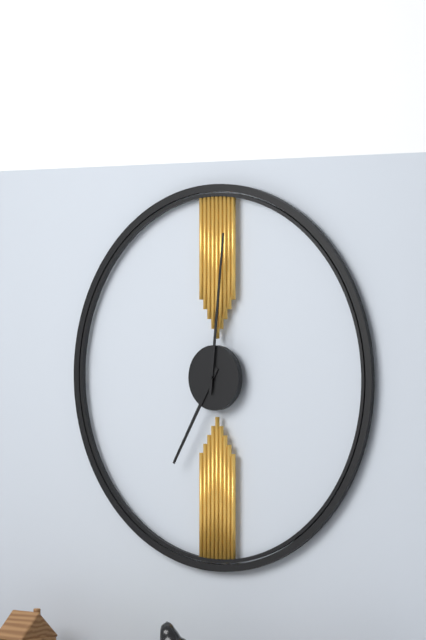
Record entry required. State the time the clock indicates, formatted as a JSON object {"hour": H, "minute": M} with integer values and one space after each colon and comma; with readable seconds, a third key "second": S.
{"hour": 7, "minute": 1}
